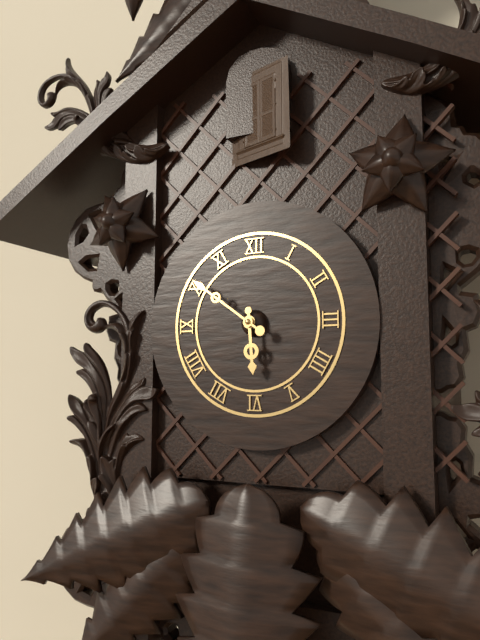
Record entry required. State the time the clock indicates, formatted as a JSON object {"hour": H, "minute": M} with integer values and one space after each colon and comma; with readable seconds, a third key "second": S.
{"hour": 5, "minute": 51}
